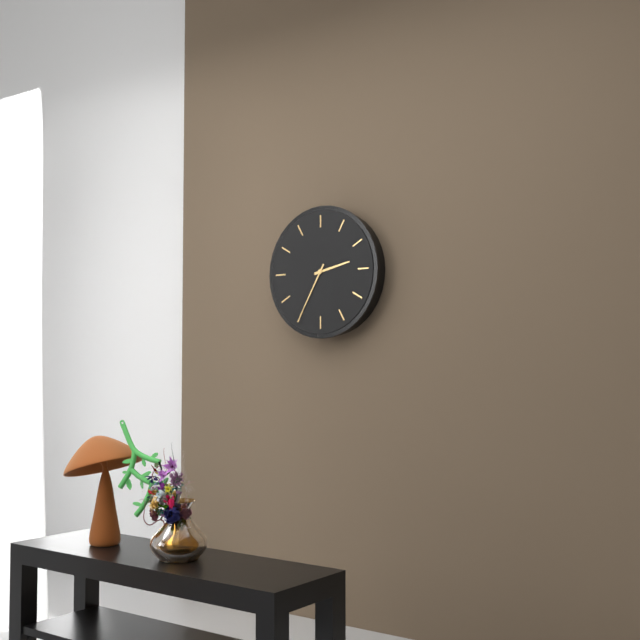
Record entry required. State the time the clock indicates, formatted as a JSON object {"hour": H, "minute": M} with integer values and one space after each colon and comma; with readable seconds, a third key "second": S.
{"hour": 2, "minute": 35}
